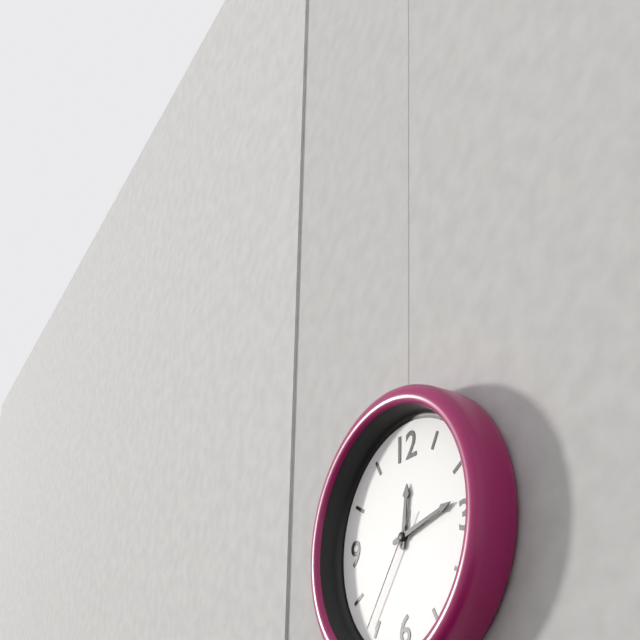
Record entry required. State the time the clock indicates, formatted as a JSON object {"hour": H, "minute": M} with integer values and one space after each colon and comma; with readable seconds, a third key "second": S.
{"hour": 12, "minute": 13, "second": 36}
